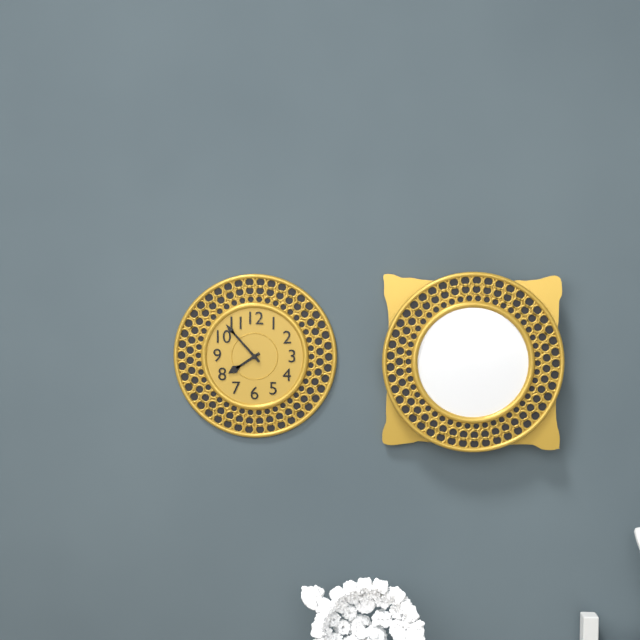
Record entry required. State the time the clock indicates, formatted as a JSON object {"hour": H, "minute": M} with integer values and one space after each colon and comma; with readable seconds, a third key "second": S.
{"hour": 7, "minute": 53}
